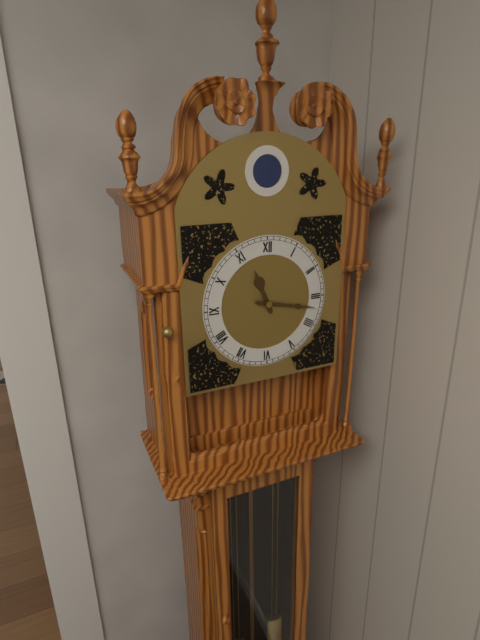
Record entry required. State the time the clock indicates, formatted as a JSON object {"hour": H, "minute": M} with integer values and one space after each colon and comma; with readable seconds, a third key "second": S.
{"hour": 11, "minute": 17}
